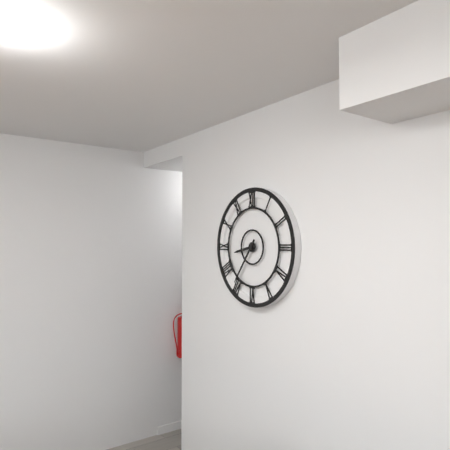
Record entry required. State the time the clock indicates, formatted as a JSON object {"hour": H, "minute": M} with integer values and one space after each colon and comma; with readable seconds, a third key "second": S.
{"hour": 8, "minute": 36}
